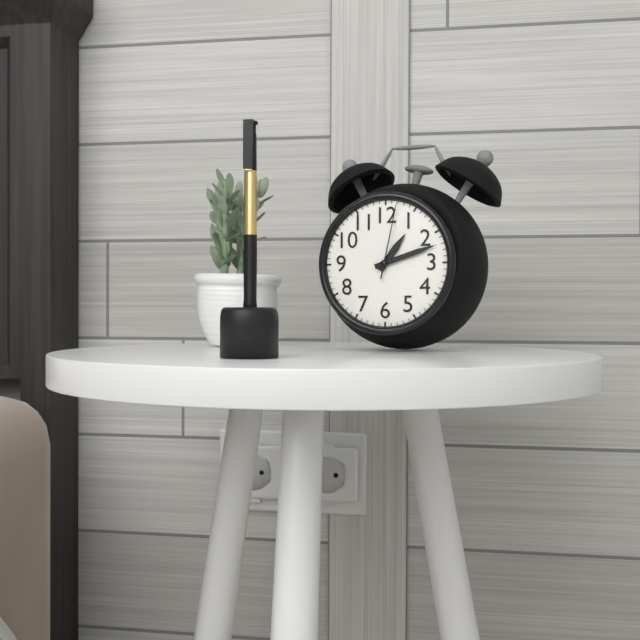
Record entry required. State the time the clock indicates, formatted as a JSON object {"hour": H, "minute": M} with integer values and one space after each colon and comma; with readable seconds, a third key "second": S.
{"hour": 1, "minute": 12, "second": 2}
